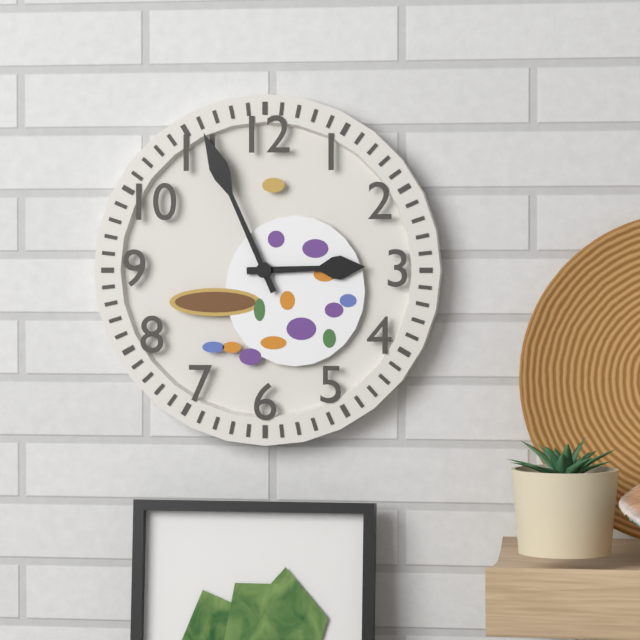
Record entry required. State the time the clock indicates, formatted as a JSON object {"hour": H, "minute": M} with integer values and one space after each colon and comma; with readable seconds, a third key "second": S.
{"hour": 2, "minute": 56}
